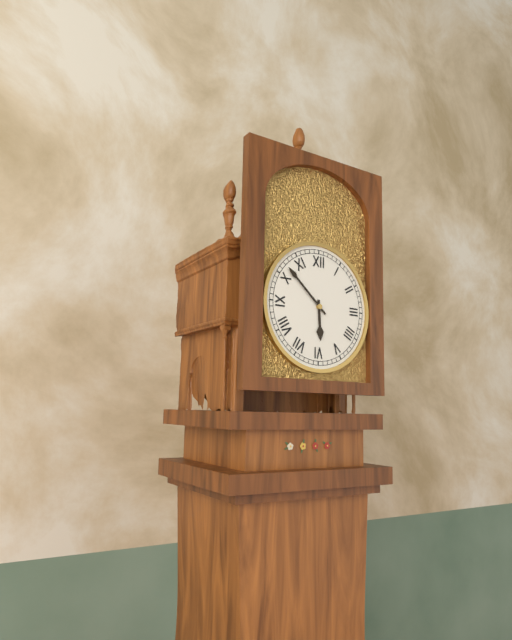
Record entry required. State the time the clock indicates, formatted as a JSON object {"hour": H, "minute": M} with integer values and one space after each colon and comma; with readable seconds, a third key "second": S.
{"hour": 5, "minute": 52}
